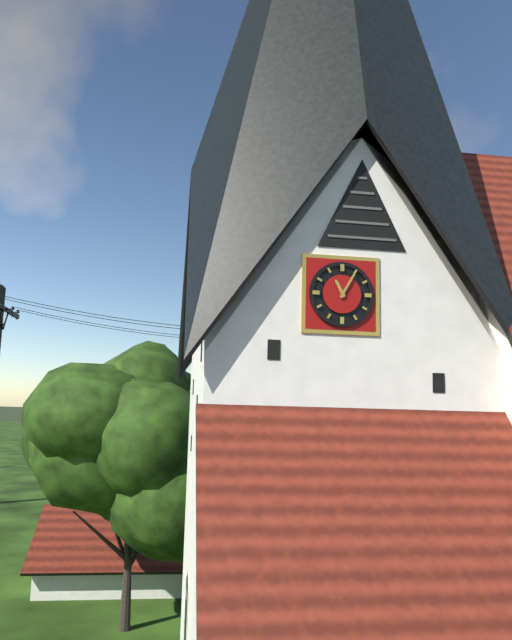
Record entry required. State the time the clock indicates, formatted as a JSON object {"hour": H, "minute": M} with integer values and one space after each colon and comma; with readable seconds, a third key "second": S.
{"hour": 11, "minute": 5}
